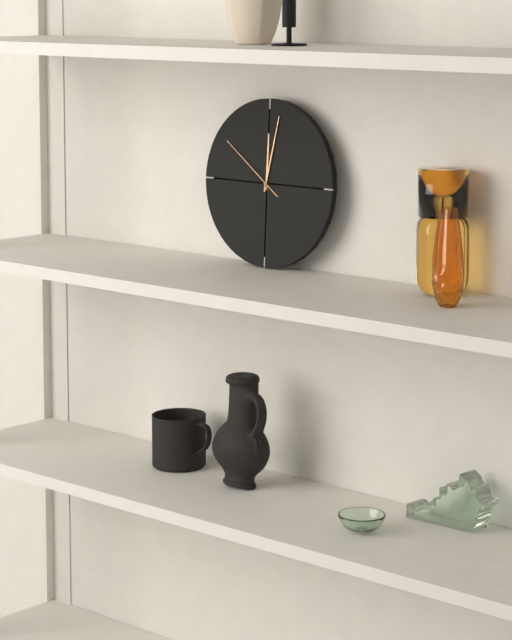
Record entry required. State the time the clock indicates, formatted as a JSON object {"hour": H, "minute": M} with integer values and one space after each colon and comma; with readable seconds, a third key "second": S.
{"hour": 12, "minute": 2, "second": 51}
